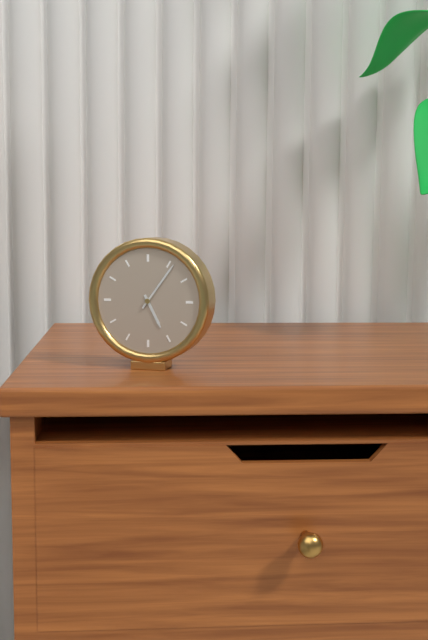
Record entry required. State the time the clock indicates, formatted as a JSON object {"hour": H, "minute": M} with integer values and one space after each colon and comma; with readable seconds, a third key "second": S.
{"hour": 5, "minute": 6}
